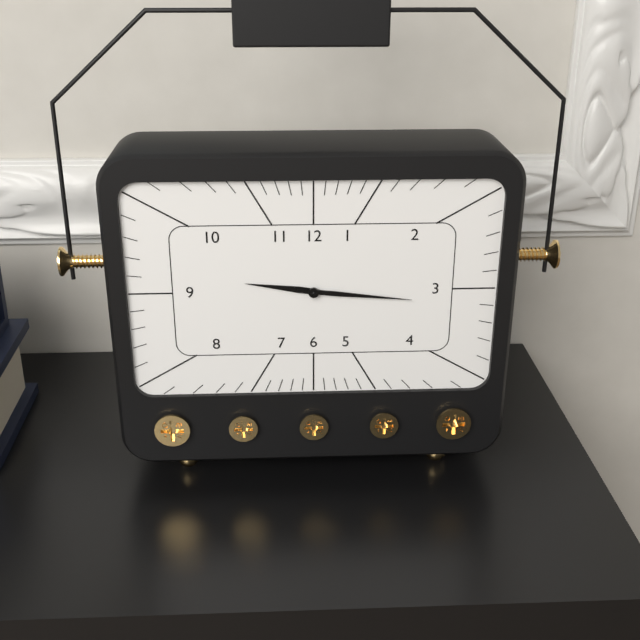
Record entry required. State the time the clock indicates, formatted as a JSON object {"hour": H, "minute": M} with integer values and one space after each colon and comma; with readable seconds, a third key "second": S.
{"hour": 9, "minute": 16}
